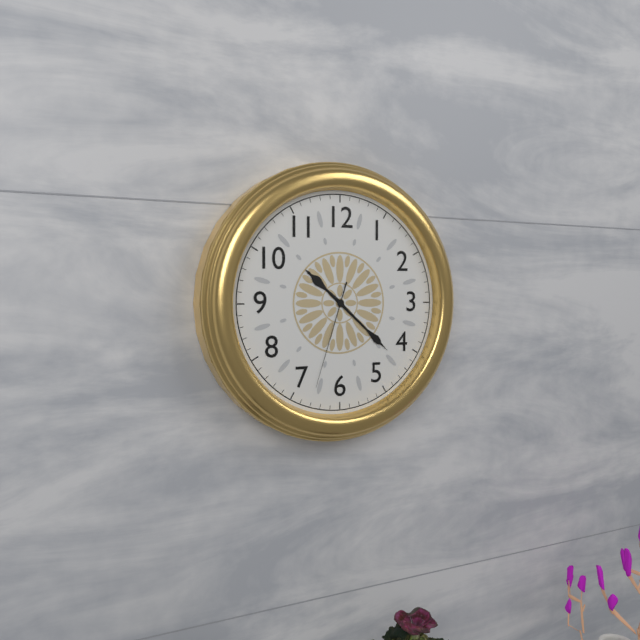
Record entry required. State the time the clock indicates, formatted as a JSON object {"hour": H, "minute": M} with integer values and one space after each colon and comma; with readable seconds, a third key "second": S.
{"hour": 10, "minute": 22, "second": 33}
